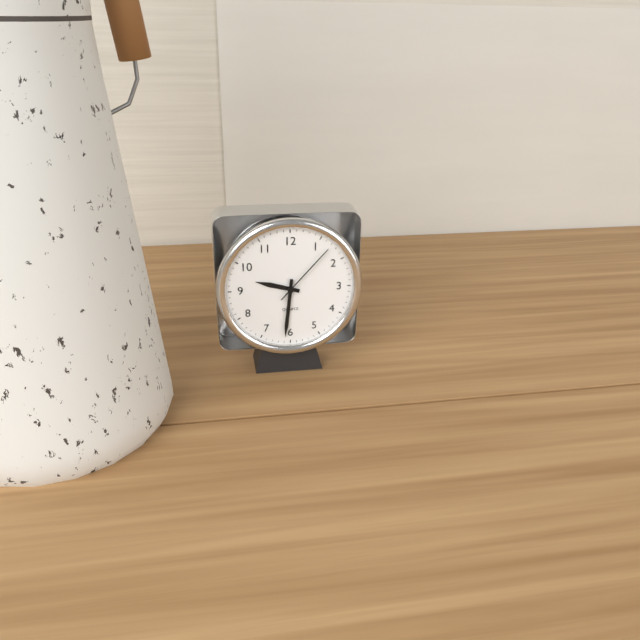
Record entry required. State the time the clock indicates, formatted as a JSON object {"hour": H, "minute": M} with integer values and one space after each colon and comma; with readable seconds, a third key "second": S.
{"hour": 9, "minute": 31, "second": 7}
